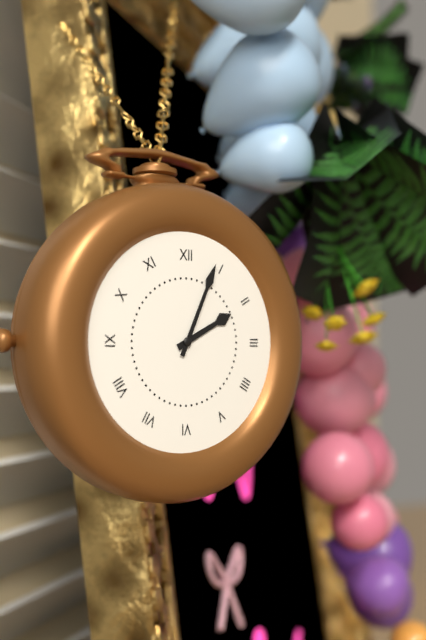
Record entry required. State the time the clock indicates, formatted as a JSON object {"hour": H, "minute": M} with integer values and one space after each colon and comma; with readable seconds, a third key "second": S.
{"hour": 2, "minute": 4}
